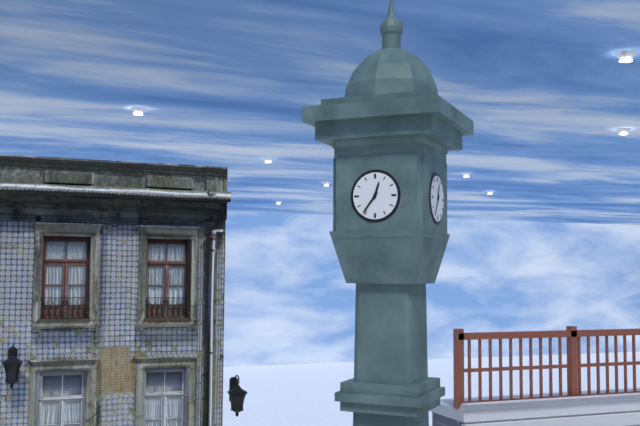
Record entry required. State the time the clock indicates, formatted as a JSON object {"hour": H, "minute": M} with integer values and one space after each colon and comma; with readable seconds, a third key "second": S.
{"hour": 12, "minute": 36}
